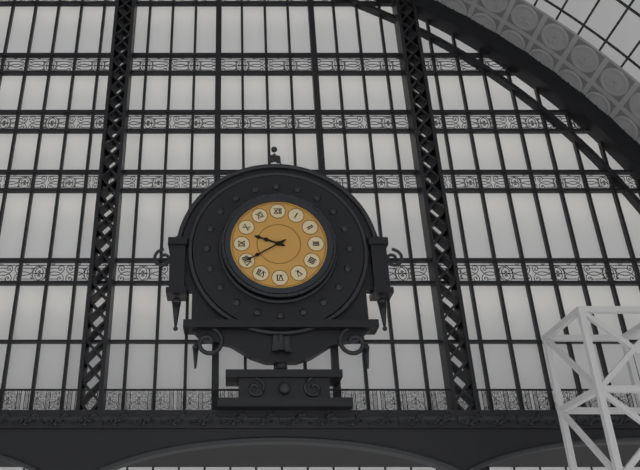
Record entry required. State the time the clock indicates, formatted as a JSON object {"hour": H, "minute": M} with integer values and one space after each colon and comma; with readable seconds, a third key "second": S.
{"hour": 9, "minute": 40}
